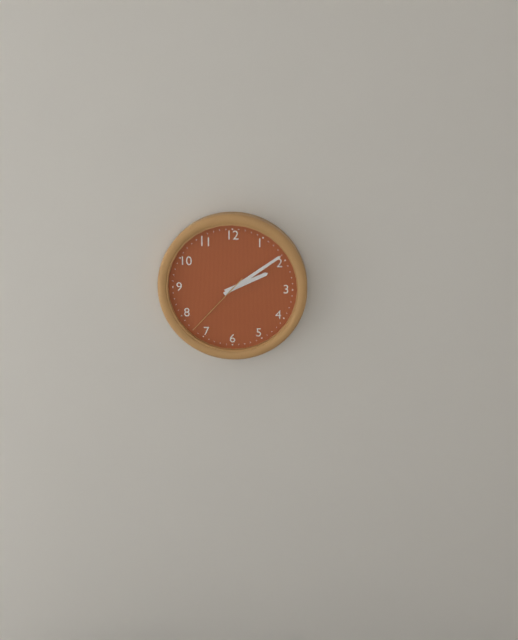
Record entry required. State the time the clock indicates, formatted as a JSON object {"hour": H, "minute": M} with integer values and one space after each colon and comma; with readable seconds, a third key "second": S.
{"hour": 2, "minute": 9, "second": 37}
